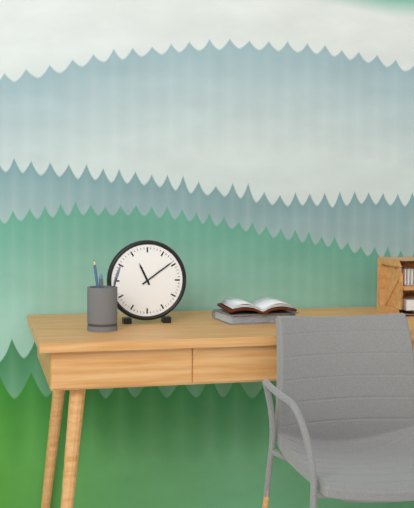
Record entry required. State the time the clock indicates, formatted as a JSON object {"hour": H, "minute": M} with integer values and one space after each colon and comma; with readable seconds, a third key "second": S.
{"hour": 11, "minute": 9}
